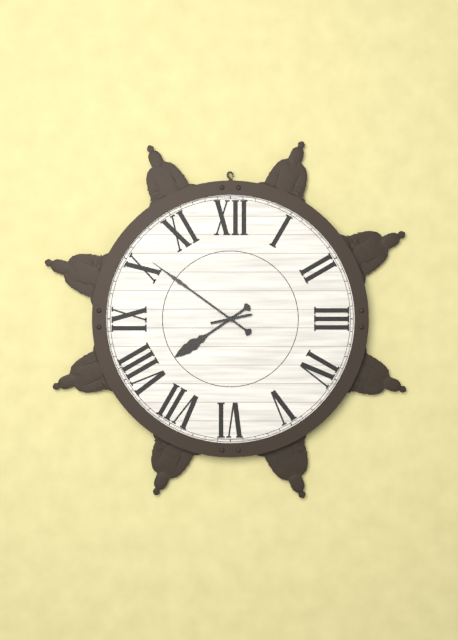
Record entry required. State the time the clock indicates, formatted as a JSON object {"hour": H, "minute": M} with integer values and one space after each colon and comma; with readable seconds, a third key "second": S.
{"hour": 7, "minute": 51}
